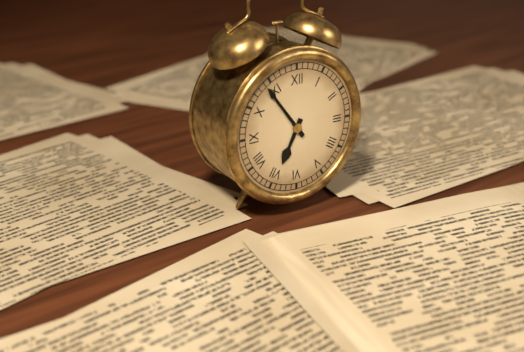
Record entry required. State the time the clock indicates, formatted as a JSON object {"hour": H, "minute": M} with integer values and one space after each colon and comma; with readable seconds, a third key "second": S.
{"hour": 6, "minute": 54}
